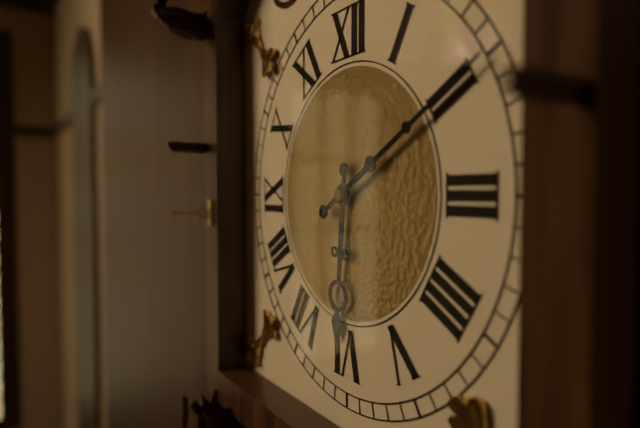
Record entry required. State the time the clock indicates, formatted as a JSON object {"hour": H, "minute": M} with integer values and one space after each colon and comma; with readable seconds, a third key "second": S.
{"hour": 6, "minute": 10}
